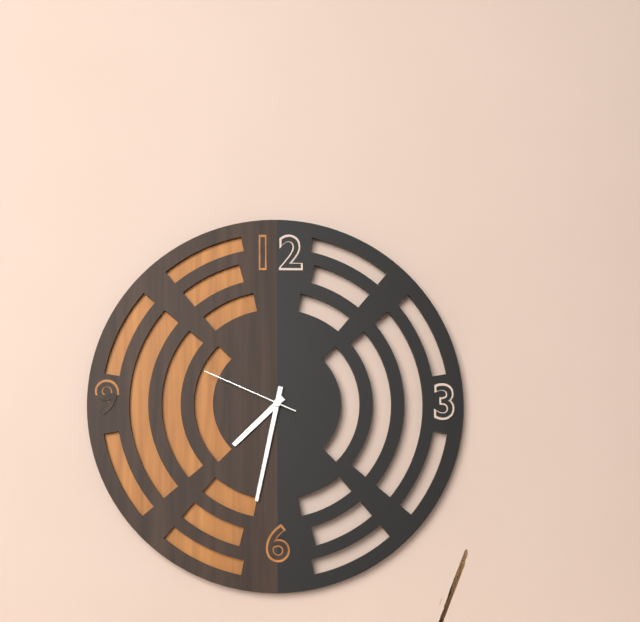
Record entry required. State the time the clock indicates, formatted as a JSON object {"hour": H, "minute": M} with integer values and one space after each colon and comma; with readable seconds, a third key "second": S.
{"hour": 7, "minute": 32, "second": 49}
